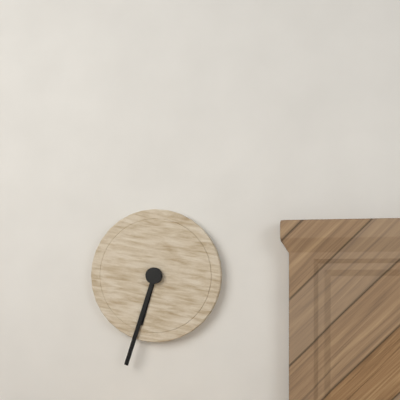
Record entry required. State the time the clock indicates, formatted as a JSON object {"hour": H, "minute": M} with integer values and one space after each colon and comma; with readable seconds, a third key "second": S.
{"hour": 6, "minute": 33}
